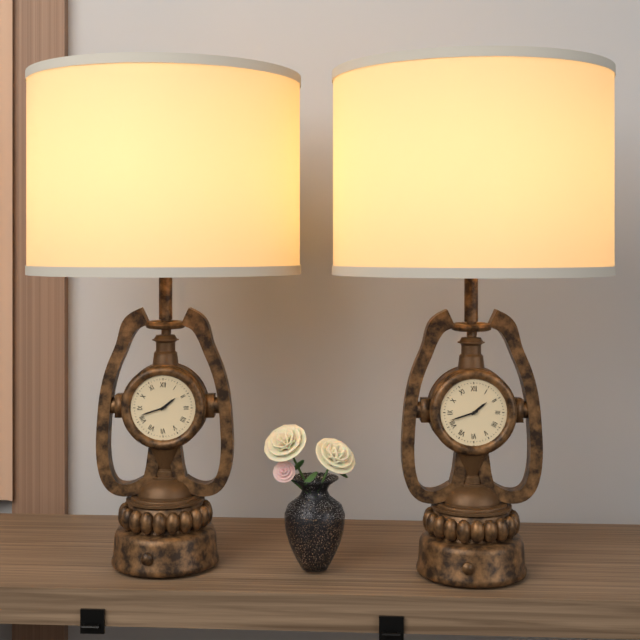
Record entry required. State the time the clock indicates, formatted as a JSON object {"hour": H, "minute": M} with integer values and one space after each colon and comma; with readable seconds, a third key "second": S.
{"hour": 1, "minute": 42}
